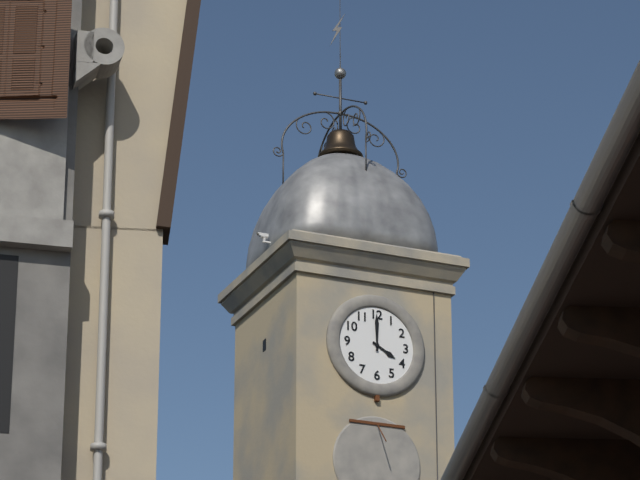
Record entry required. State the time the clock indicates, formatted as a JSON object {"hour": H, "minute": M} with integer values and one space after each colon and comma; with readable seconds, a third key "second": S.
{"hour": 4, "minute": 0}
